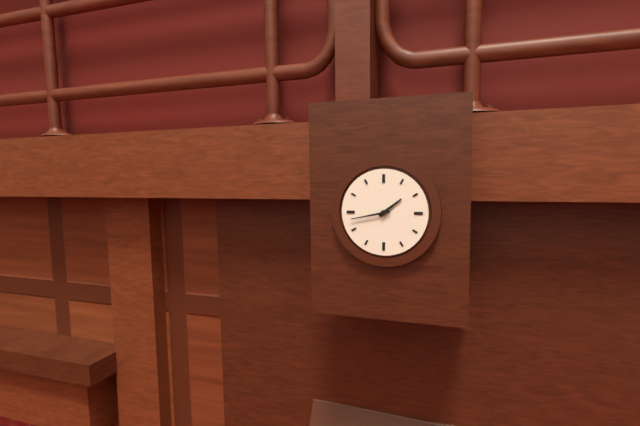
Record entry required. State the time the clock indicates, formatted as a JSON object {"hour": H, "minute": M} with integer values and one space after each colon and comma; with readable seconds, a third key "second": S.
{"hour": 1, "minute": 43}
